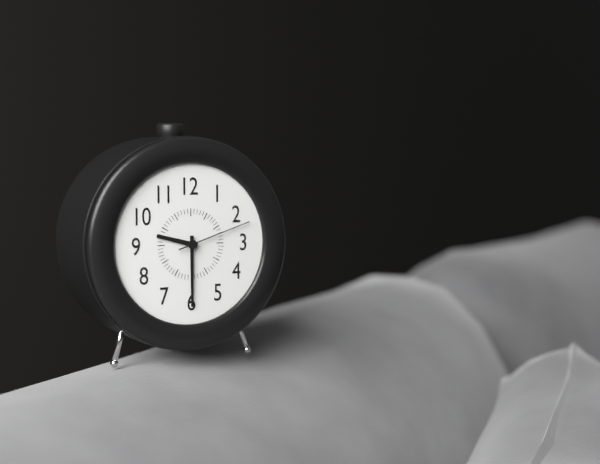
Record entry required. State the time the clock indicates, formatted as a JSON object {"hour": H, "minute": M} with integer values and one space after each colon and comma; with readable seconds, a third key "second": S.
{"hour": 9, "minute": 30, "second": 12}
